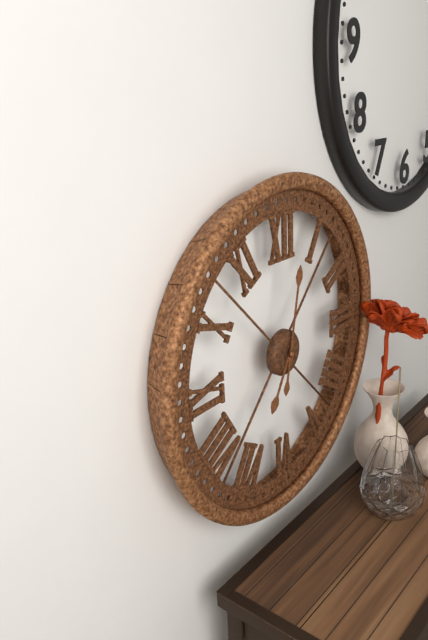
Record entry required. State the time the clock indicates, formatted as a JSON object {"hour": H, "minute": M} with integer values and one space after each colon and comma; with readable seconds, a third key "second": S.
{"hour": 7, "minute": 2}
